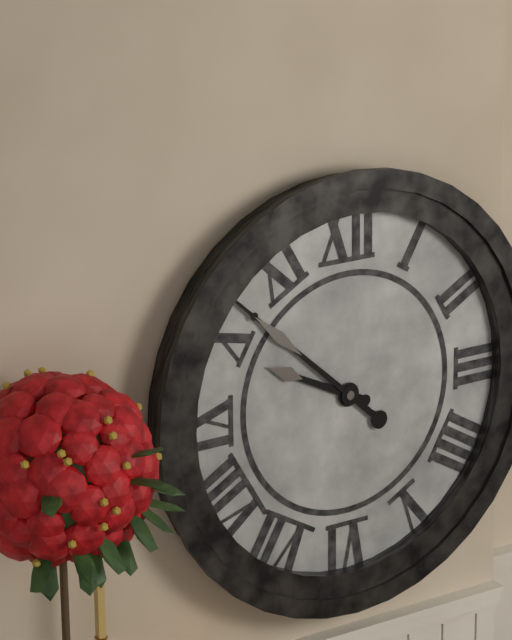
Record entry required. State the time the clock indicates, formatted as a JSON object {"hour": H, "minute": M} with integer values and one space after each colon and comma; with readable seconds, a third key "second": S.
{"hour": 9, "minute": 52}
